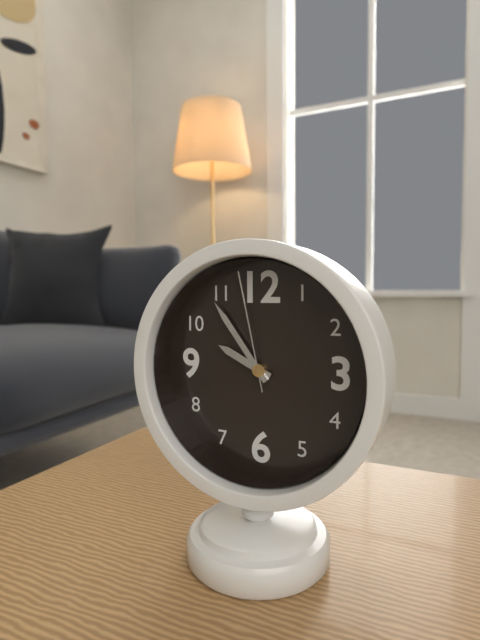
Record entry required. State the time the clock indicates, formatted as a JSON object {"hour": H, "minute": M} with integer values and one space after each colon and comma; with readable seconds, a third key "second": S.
{"hour": 9, "minute": 54, "second": 58}
